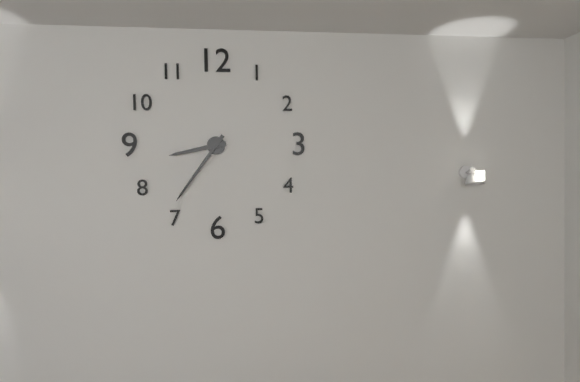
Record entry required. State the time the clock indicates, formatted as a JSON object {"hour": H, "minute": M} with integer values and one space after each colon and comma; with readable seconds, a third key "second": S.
{"hour": 8, "minute": 36}
